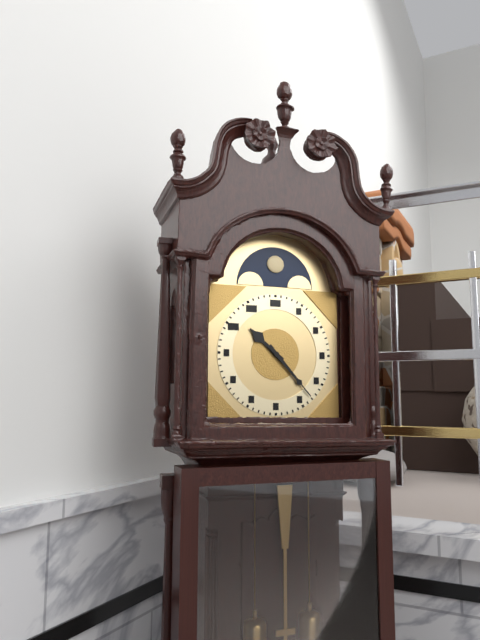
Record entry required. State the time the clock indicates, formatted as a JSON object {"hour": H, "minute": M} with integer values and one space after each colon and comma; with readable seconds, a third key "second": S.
{"hour": 10, "minute": 23}
